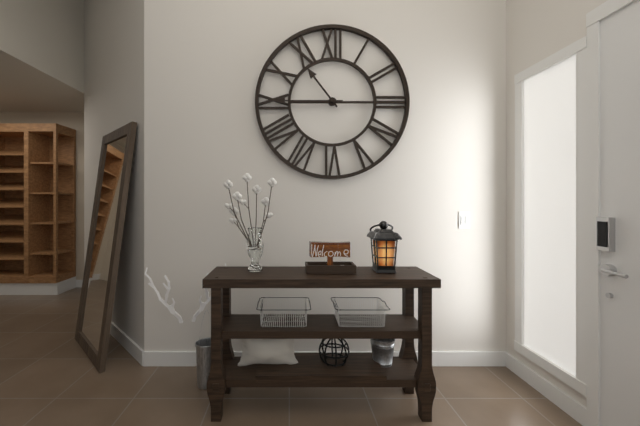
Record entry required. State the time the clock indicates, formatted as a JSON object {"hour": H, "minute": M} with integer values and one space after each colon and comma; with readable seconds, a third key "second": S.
{"hour": 10, "minute": 45}
